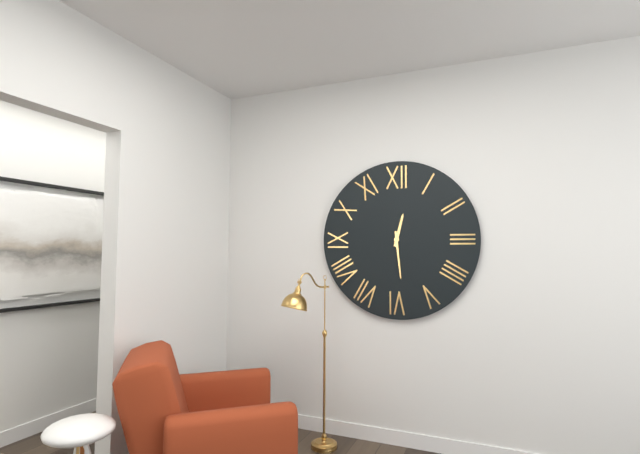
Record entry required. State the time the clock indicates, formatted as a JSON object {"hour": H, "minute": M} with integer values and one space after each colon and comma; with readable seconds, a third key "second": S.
{"hour": 12, "minute": 29}
